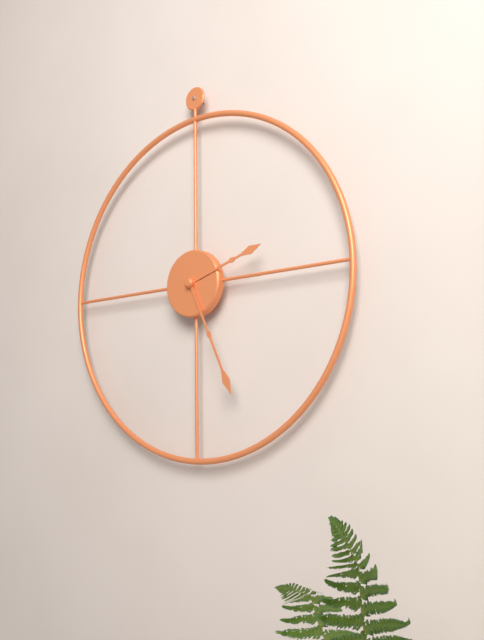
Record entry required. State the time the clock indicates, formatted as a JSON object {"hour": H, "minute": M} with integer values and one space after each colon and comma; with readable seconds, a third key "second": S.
{"hour": 2, "minute": 26}
